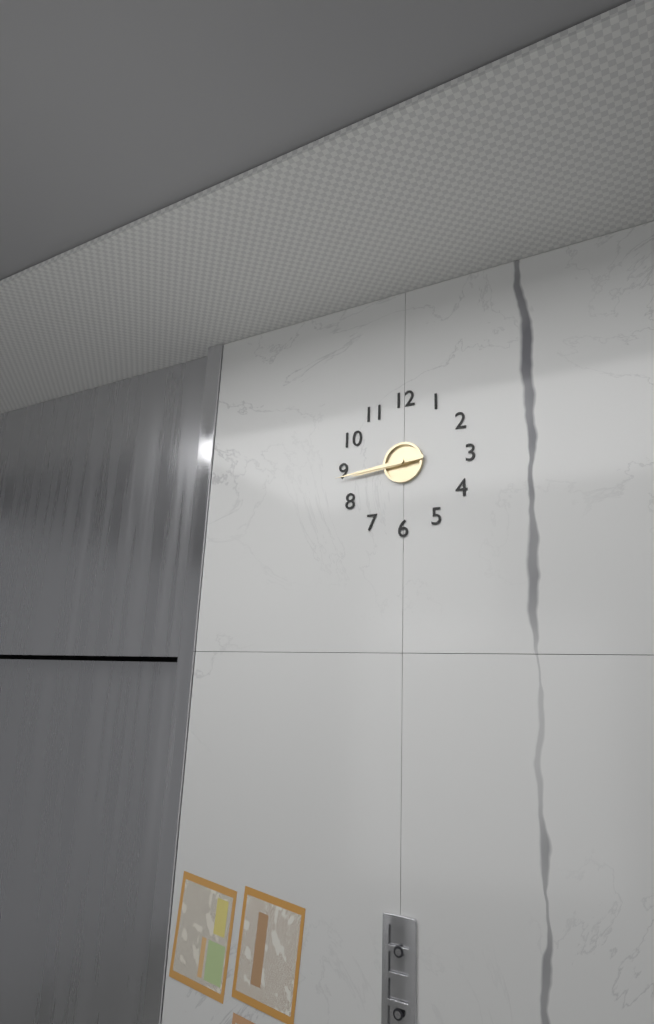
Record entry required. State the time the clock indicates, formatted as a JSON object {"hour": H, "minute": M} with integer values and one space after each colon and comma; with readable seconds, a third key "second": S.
{"hour": 8, "minute": 44}
